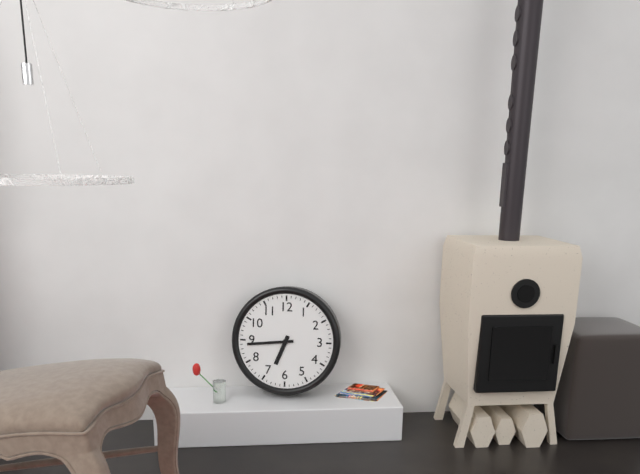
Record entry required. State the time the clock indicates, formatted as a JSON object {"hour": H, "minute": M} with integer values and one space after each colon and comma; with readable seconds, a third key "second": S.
{"hour": 6, "minute": 44}
